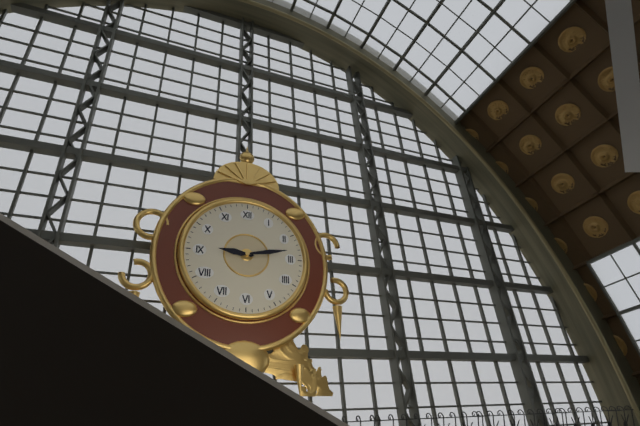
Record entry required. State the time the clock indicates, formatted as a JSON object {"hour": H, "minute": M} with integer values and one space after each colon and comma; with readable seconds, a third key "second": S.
{"hour": 9, "minute": 13}
